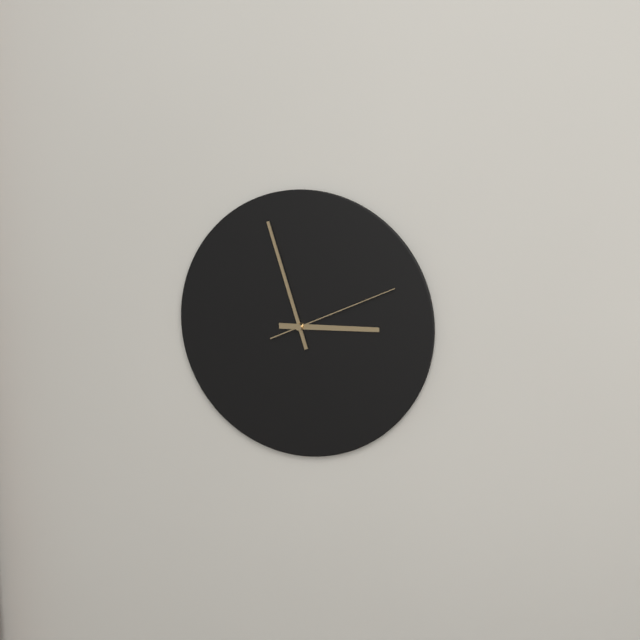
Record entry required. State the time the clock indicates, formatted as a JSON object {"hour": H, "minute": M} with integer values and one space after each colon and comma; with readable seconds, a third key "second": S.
{"hour": 2, "minute": 57, "second": 11}
